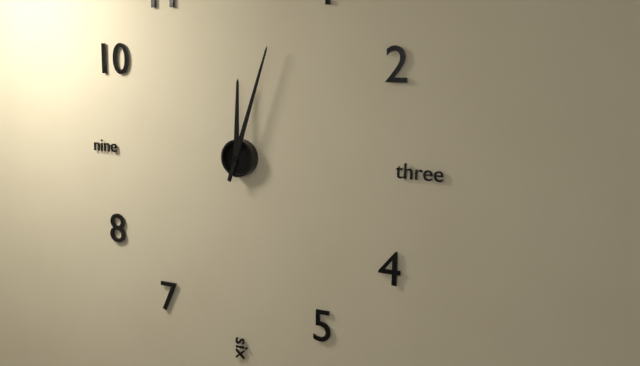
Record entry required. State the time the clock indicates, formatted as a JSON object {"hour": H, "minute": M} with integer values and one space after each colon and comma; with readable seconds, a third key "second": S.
{"hour": 12, "minute": 3}
